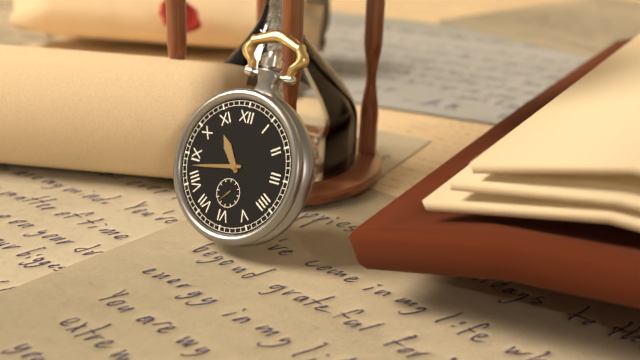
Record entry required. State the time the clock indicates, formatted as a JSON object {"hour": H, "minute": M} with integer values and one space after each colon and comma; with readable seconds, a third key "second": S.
{"hour": 10, "minute": 43}
